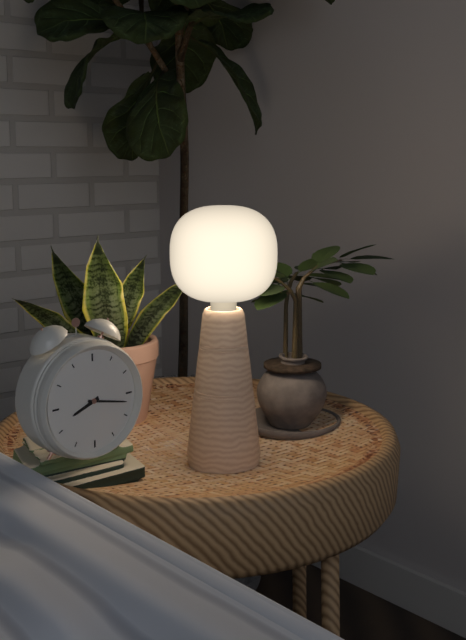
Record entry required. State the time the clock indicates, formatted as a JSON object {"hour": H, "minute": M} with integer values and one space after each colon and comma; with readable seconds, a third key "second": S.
{"hour": 8, "minute": 17}
